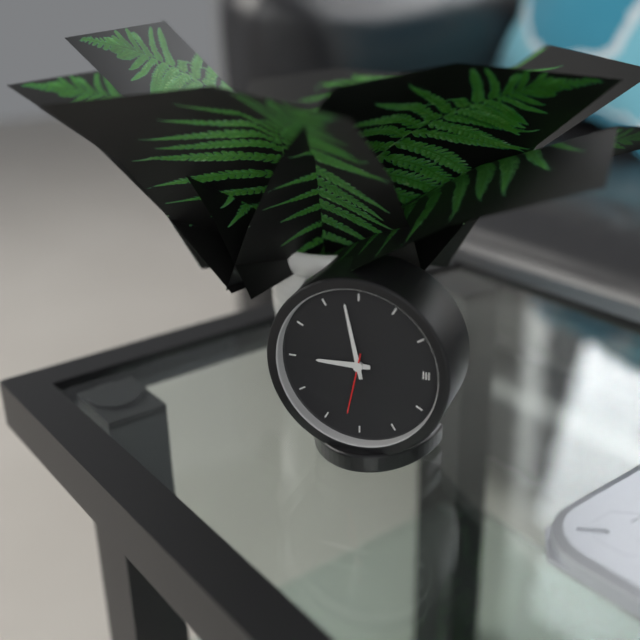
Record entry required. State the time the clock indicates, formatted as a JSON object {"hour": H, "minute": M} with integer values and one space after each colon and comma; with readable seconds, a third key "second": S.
{"hour": 8, "minute": 58, "second": 32}
